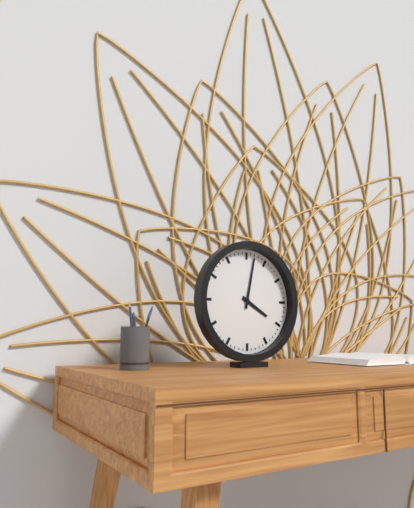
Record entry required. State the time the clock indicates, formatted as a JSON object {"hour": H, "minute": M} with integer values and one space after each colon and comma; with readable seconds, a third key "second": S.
{"hour": 4, "minute": 2}
